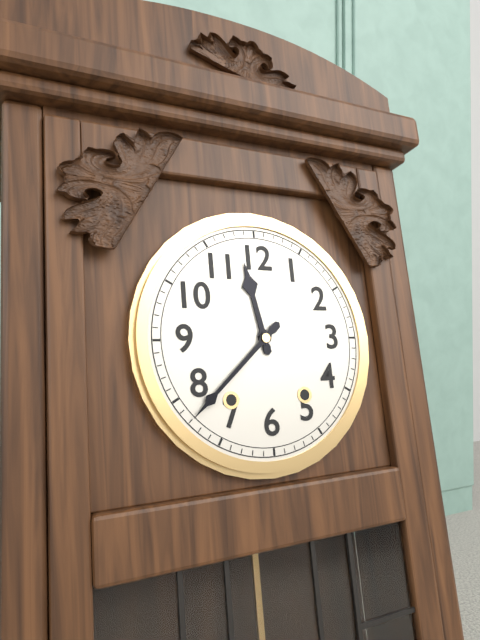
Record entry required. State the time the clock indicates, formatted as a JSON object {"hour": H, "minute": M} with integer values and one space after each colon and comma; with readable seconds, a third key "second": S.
{"hour": 11, "minute": 38}
